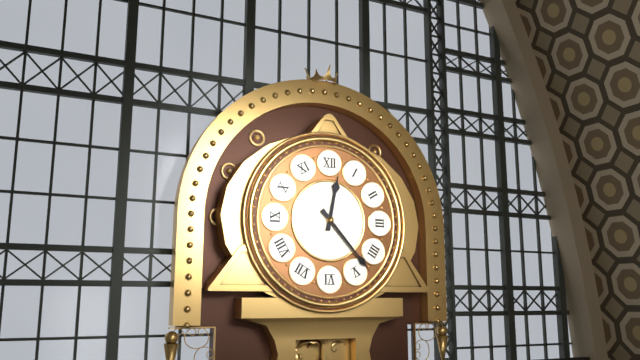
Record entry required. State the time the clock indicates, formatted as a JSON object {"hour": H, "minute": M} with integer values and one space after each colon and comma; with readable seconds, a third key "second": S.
{"hour": 12, "minute": 23}
